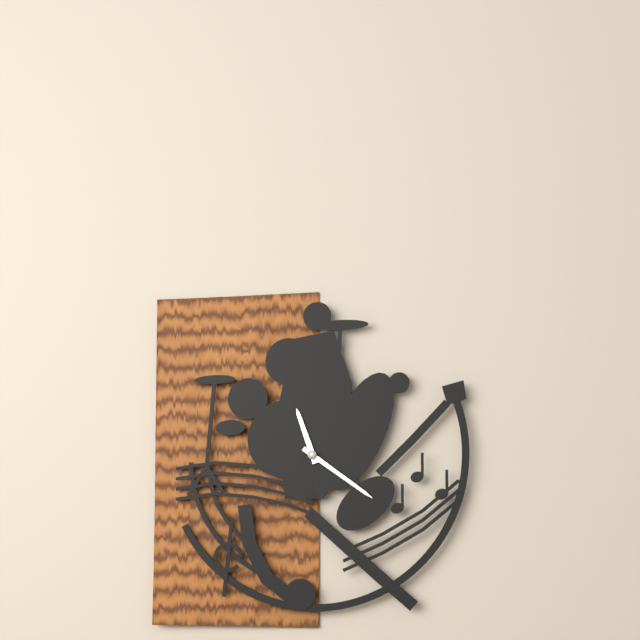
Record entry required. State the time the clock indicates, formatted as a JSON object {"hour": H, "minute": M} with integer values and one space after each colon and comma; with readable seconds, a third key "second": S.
{"hour": 11, "minute": 21}
